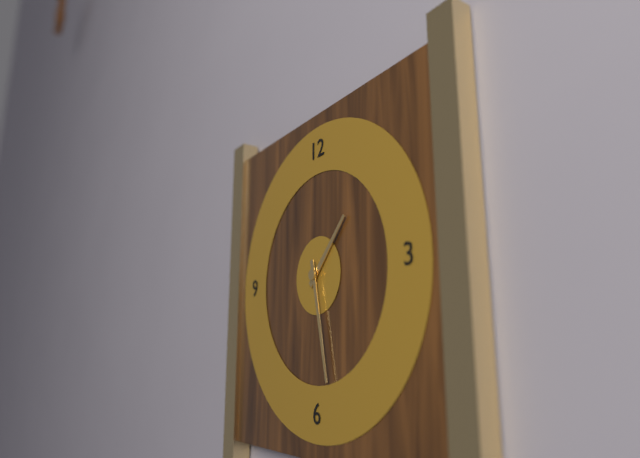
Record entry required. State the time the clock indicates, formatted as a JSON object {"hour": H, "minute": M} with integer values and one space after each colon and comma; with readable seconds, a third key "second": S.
{"hour": 1, "minute": 28}
